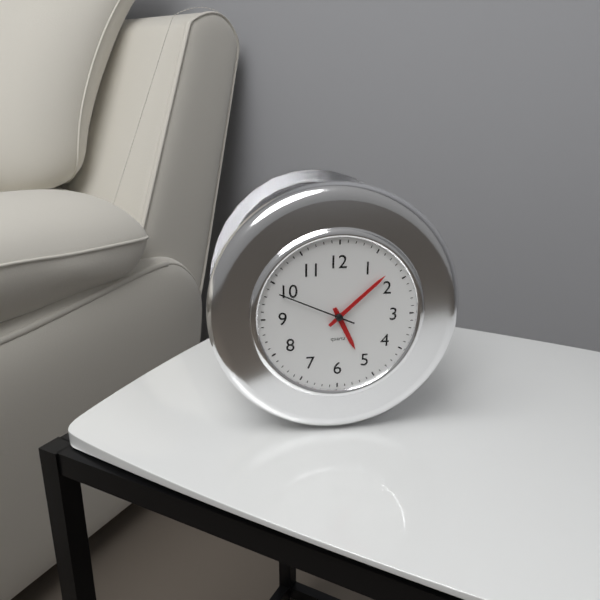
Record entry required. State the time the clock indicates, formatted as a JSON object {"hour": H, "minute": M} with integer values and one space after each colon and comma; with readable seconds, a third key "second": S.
{"hour": 5, "minute": 8, "second": 49}
